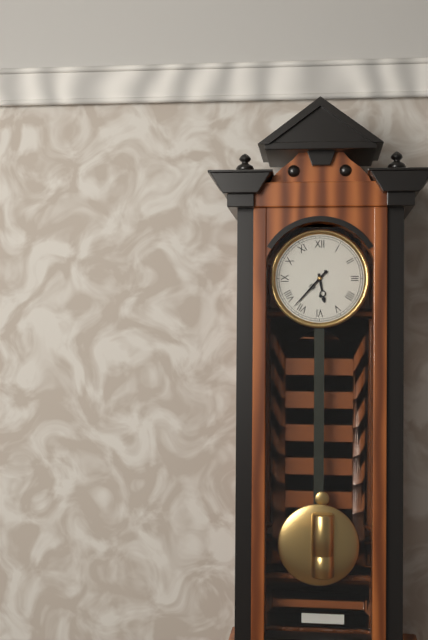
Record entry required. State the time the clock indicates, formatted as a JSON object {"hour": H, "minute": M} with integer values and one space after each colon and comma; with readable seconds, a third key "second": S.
{"hour": 5, "minute": 37}
